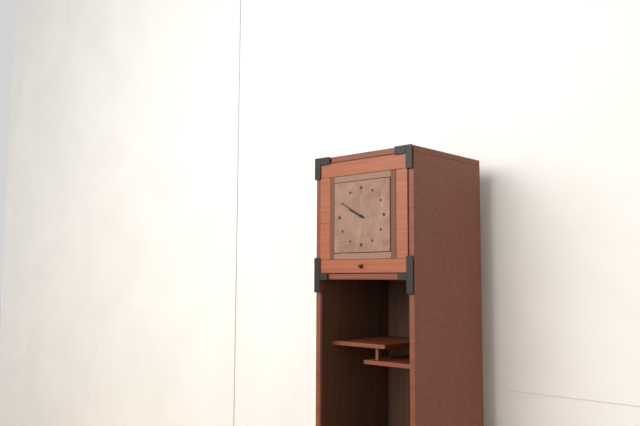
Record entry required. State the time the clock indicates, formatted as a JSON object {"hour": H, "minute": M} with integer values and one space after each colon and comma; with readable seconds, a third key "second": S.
{"hour": 9, "minute": 50}
